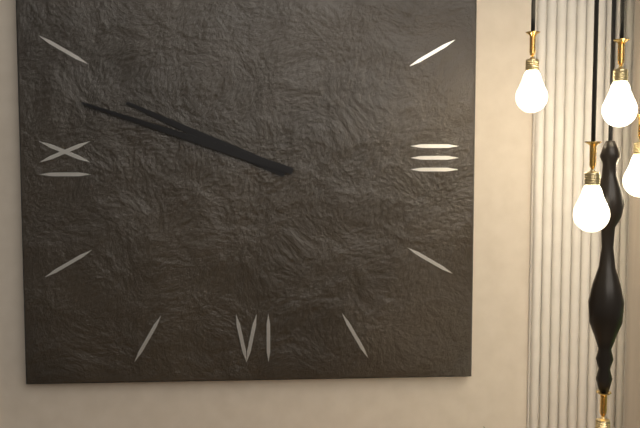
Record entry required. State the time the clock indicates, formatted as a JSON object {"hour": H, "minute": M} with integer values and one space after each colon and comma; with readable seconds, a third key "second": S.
{"hour": 9, "minute": 48}
